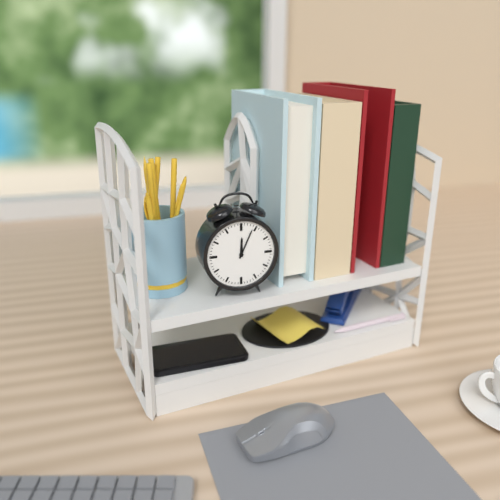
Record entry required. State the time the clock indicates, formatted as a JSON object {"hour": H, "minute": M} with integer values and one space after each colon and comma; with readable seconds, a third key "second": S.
{"hour": 12, "minute": 4}
